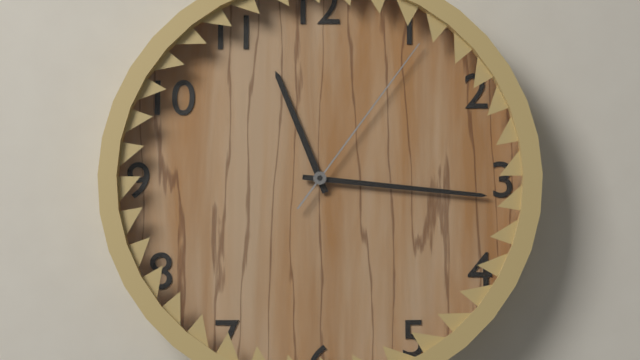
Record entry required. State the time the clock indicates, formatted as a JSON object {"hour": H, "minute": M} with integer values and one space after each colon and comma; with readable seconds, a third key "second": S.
{"hour": 11, "minute": 16, "second": 6}
